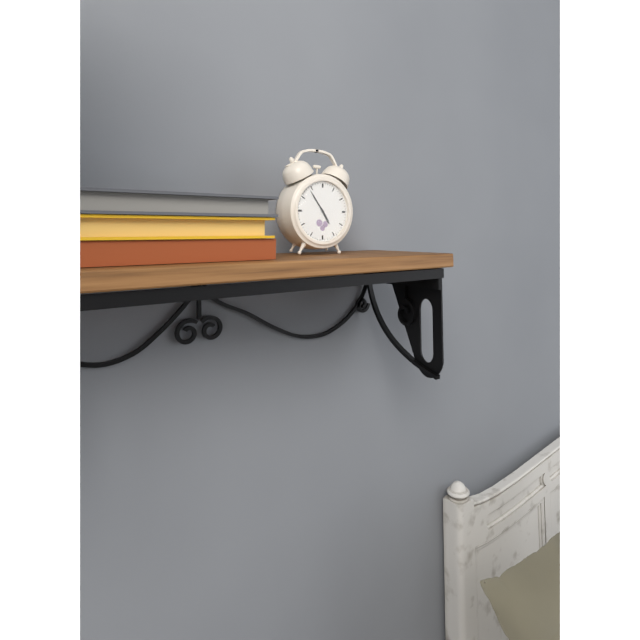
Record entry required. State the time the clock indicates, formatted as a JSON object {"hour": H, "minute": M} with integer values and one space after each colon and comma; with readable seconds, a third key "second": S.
{"hour": 4, "minute": 54}
